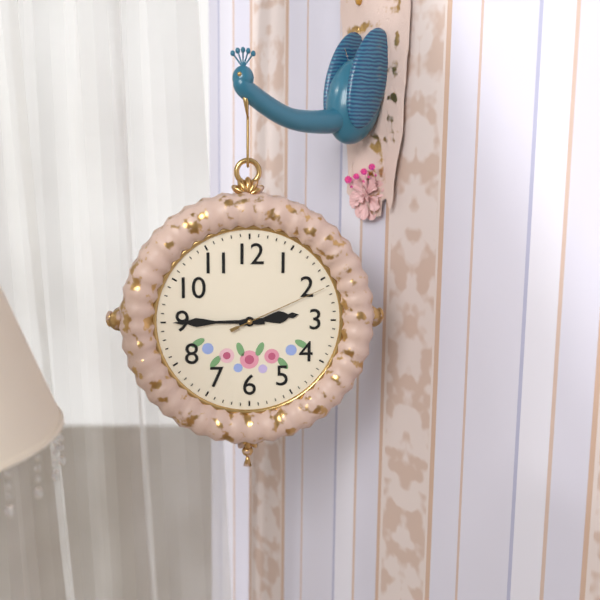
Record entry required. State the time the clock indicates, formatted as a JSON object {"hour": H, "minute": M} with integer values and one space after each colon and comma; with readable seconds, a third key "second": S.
{"hour": 2, "minute": 45, "second": 11}
